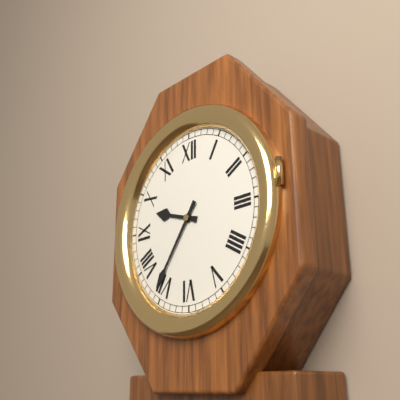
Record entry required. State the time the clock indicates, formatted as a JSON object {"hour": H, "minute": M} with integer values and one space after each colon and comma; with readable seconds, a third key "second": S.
{"hour": 9, "minute": 36}
